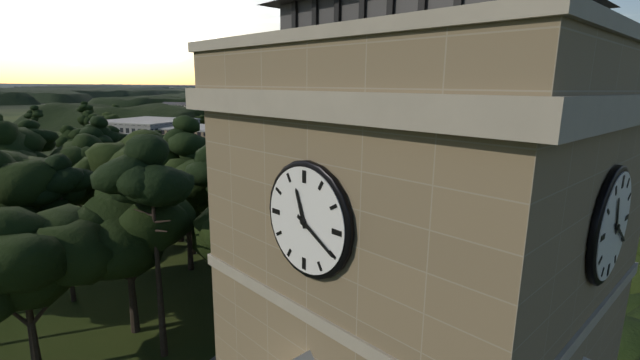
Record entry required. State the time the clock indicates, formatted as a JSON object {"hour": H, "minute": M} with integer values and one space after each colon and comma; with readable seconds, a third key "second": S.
{"hour": 11, "minute": 20}
